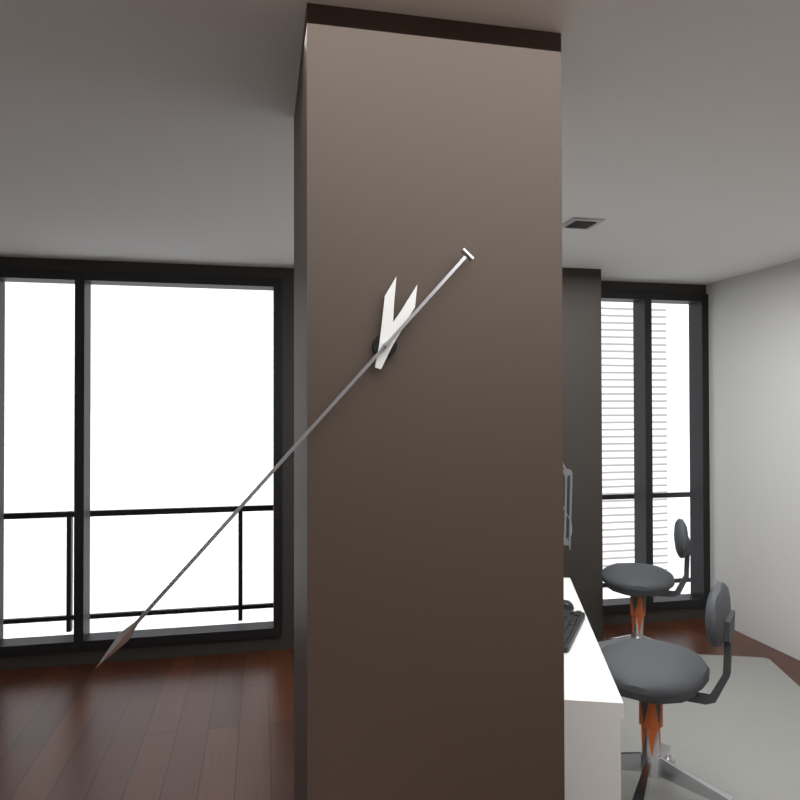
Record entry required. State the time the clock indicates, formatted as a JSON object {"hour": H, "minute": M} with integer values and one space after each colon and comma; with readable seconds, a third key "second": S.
{"hour": 12, "minute": 37}
